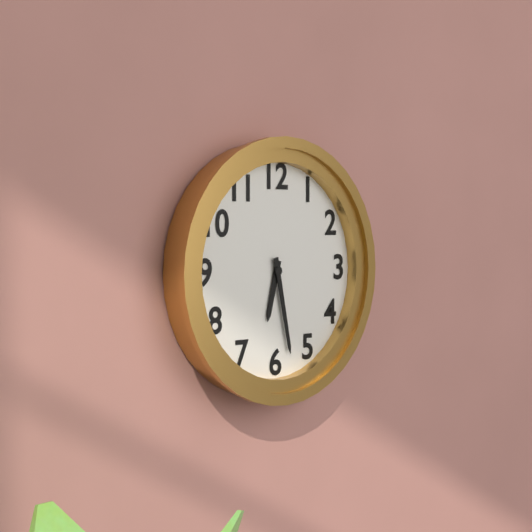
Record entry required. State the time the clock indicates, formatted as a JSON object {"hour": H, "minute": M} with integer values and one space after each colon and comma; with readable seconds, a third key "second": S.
{"hour": 6, "minute": 28}
